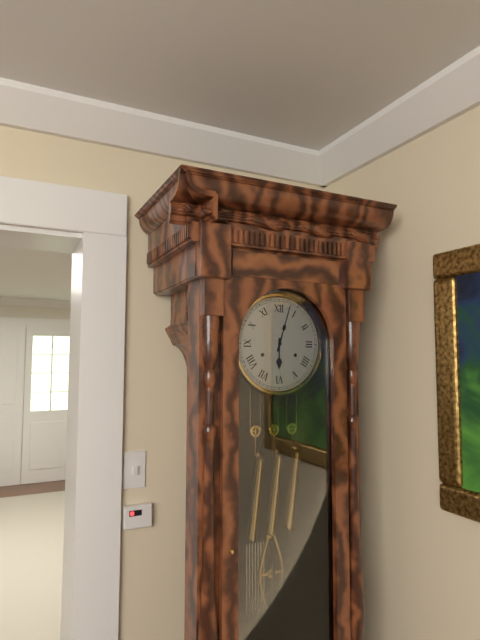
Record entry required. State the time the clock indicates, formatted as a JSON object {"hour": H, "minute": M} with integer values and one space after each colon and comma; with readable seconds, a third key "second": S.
{"hour": 6, "minute": 3}
